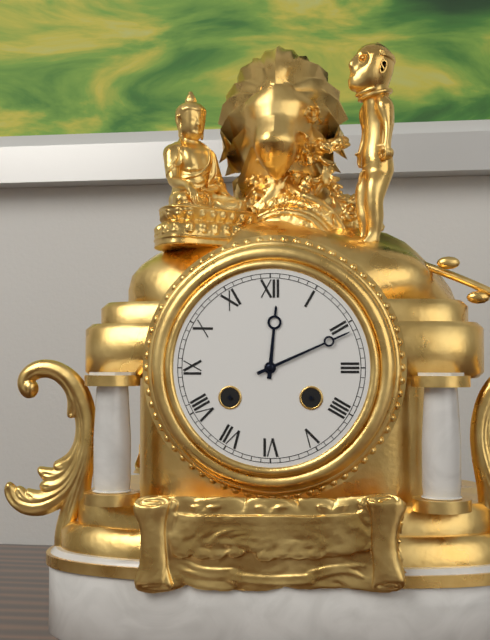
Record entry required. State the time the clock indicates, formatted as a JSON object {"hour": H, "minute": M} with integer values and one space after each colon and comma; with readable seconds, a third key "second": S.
{"hour": 12, "minute": 11}
